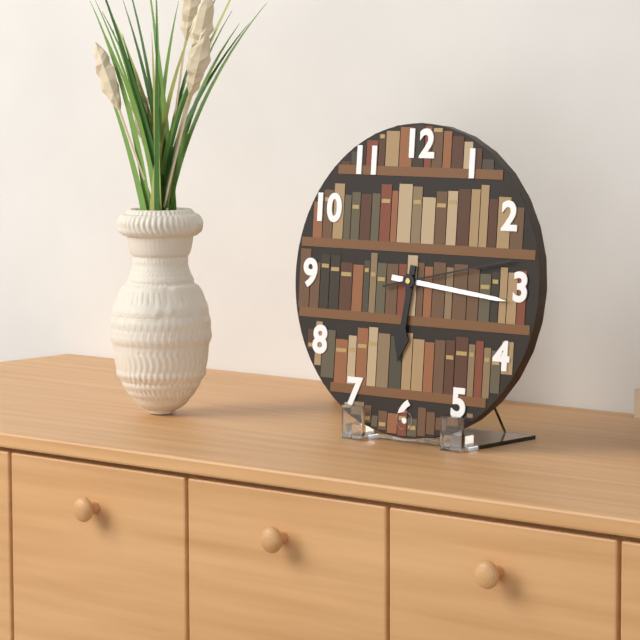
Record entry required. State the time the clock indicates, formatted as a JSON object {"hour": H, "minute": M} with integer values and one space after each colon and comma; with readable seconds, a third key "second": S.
{"hour": 6, "minute": 16, "second": 13}
